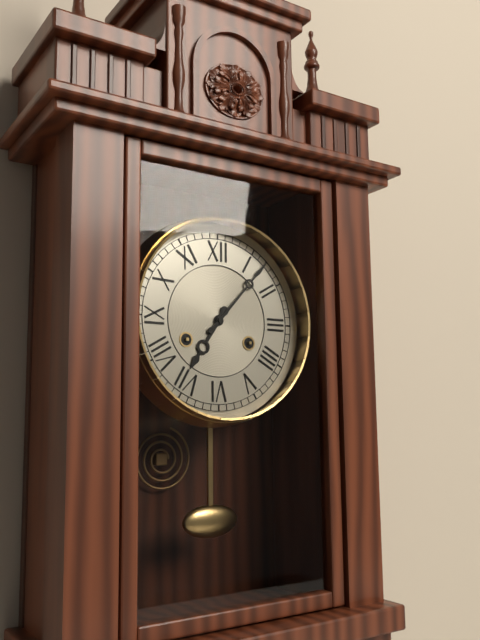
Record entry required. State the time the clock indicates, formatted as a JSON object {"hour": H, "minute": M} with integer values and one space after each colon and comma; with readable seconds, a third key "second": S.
{"hour": 7, "minute": 7}
